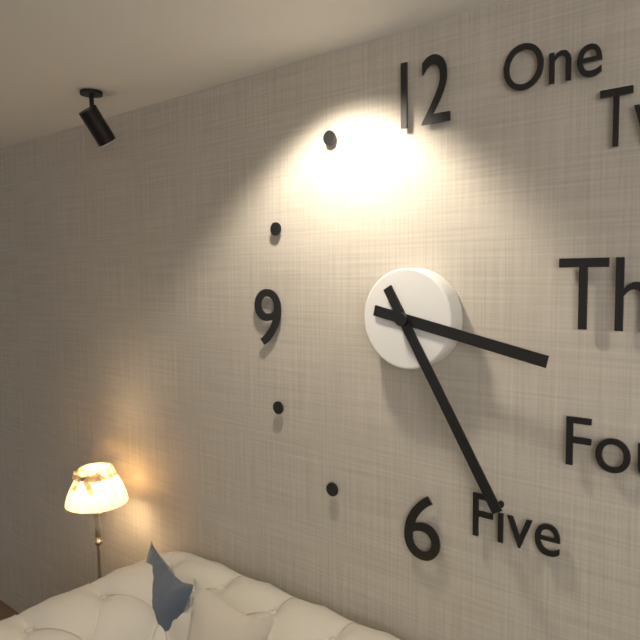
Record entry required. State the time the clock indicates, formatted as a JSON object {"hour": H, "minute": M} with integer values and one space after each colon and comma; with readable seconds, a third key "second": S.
{"hour": 3, "minute": 25}
